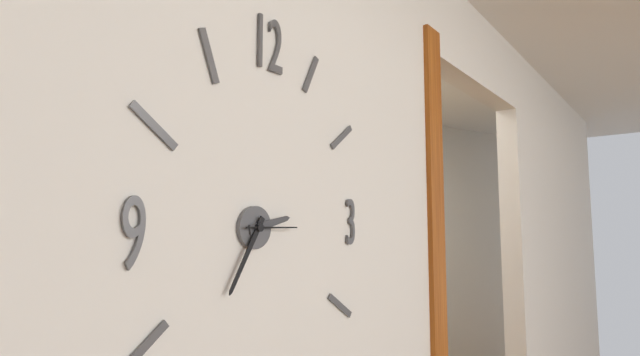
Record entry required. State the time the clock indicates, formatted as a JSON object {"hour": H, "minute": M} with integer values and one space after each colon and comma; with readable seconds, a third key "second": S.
{"hour": 2, "minute": 35}
